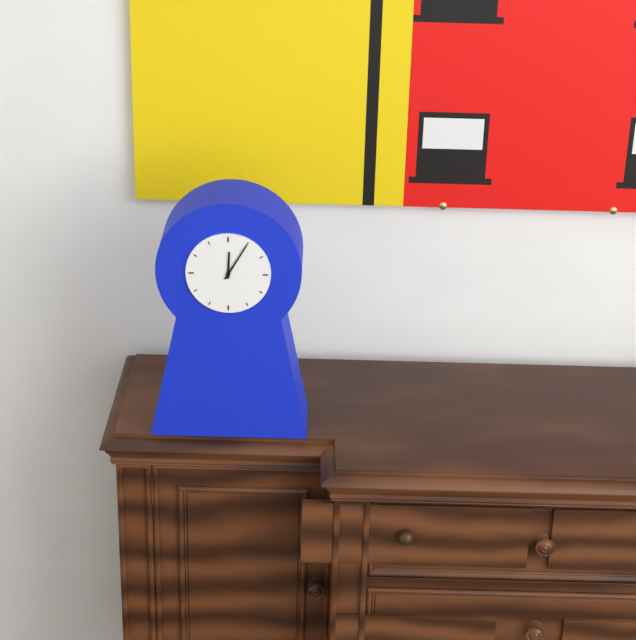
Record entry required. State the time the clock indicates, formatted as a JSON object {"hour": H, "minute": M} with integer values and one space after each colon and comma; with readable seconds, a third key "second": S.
{"hour": 12, "minute": 5}
